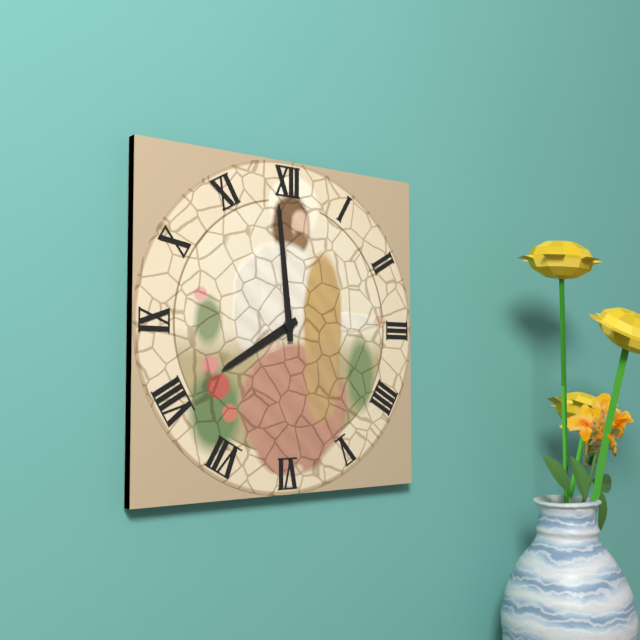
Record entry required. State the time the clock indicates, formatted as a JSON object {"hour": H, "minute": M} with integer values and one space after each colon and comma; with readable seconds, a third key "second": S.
{"hour": 7, "minute": 59}
